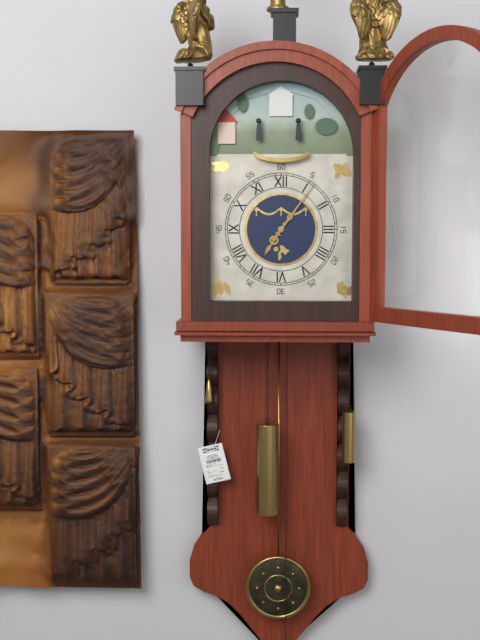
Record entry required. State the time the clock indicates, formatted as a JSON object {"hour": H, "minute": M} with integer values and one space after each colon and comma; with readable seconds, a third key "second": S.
{"hour": 7, "minute": 6}
